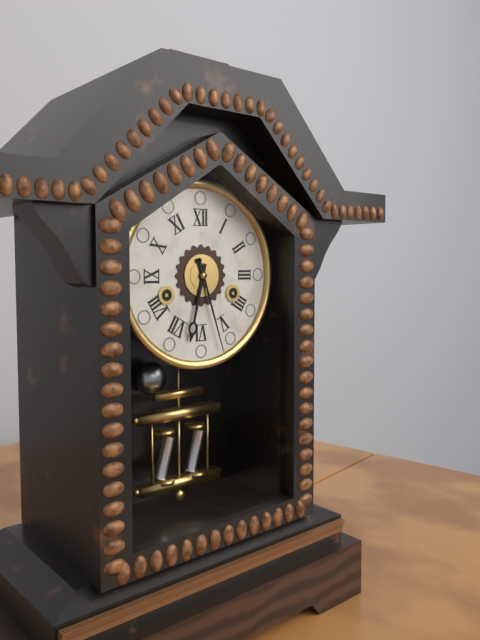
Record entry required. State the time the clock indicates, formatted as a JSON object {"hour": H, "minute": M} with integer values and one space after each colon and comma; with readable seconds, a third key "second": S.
{"hour": 6, "minute": 27}
